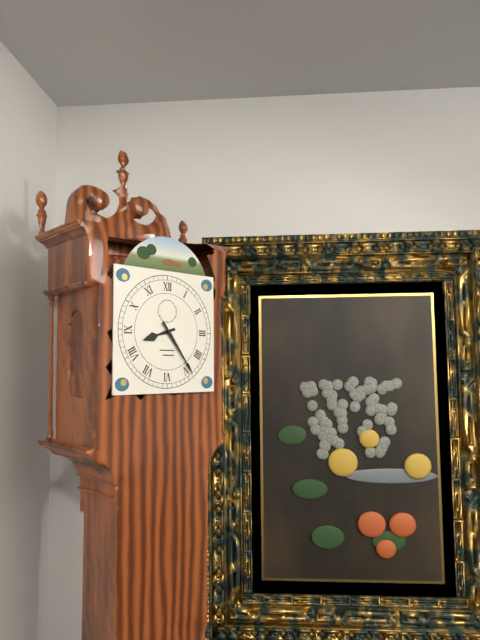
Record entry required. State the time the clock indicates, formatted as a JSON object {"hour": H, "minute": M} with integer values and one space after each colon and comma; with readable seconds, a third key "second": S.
{"hour": 8, "minute": 24}
